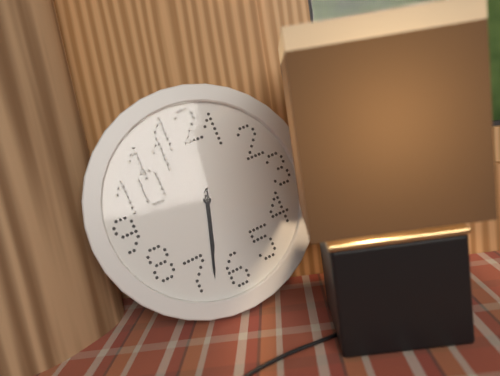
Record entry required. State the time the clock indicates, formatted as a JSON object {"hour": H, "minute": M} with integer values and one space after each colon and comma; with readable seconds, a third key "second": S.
{"hour": 6, "minute": 33}
